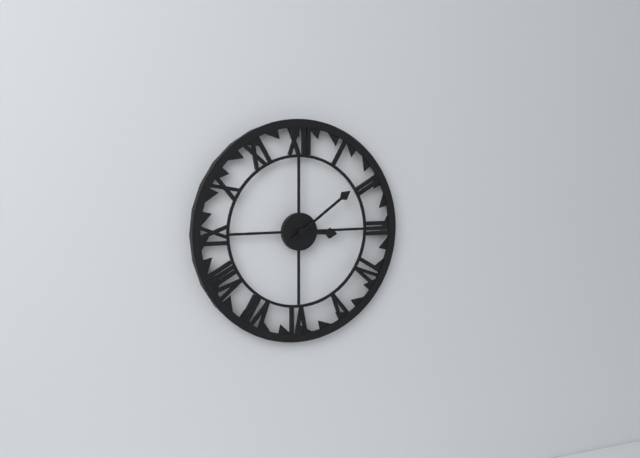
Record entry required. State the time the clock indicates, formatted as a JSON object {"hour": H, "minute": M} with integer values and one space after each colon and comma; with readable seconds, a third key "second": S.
{"hour": 3, "minute": 9}
